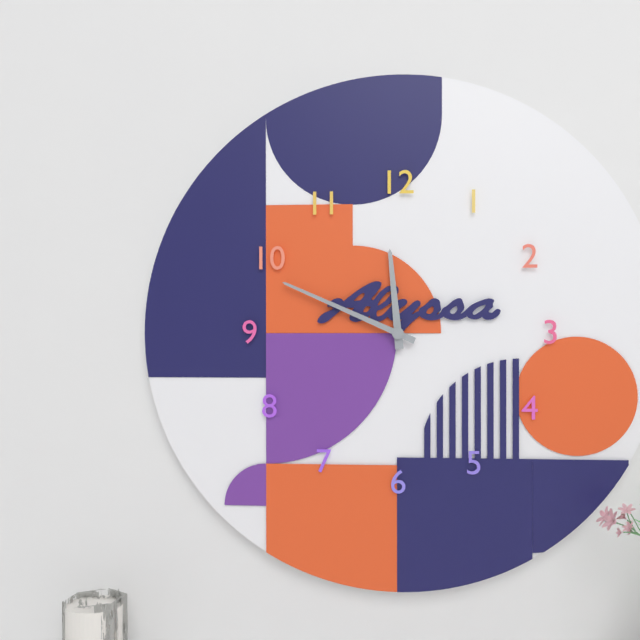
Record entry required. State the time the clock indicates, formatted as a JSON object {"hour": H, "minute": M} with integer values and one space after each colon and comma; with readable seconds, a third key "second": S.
{"hour": 11, "minute": 49}
